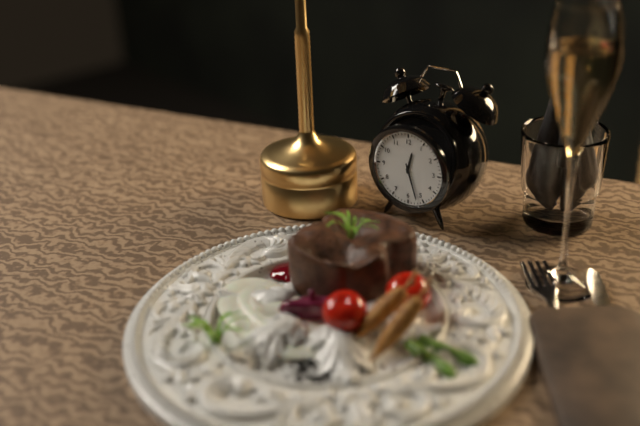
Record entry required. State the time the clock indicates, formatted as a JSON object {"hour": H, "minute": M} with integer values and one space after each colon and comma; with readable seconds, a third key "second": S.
{"hour": 12, "minute": 27}
